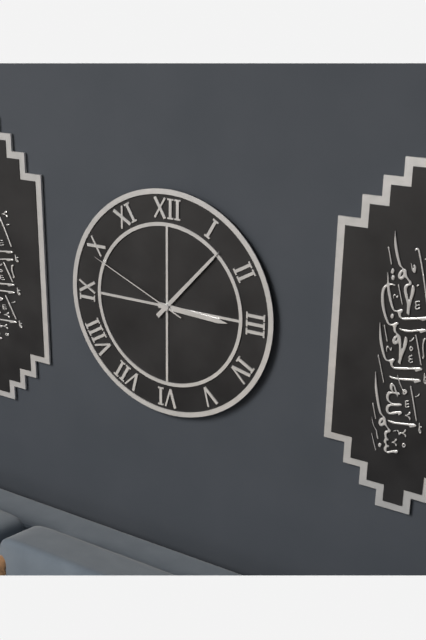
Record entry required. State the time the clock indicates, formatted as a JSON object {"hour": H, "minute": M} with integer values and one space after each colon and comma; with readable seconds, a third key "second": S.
{"hour": 3, "minute": 7, "second": 49}
